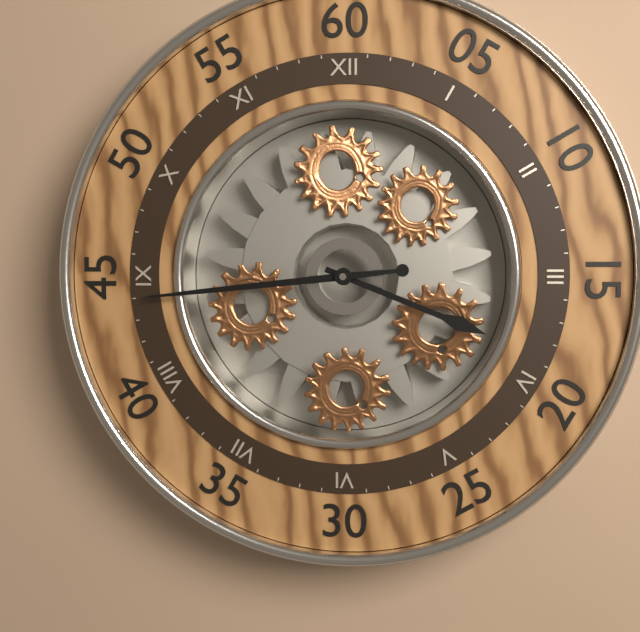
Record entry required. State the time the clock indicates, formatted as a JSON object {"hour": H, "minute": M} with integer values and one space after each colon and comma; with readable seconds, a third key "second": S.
{"hour": 3, "minute": 44}
